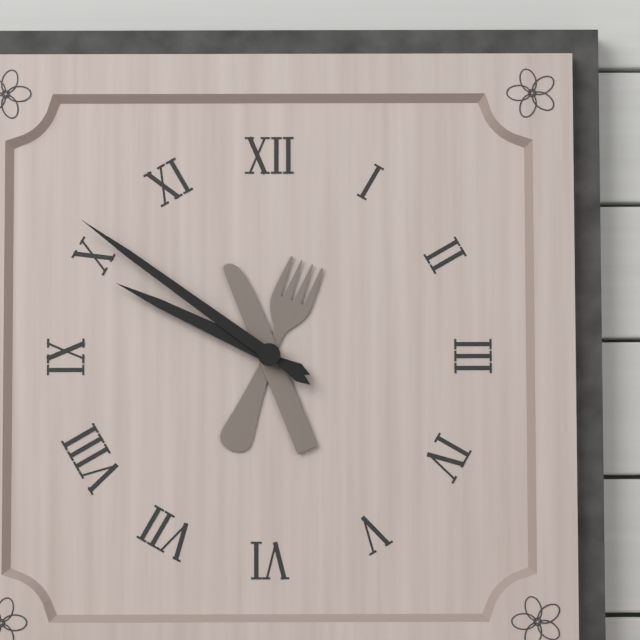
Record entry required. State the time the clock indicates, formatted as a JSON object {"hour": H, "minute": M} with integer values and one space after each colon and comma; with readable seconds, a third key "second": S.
{"hour": 9, "minute": 51}
